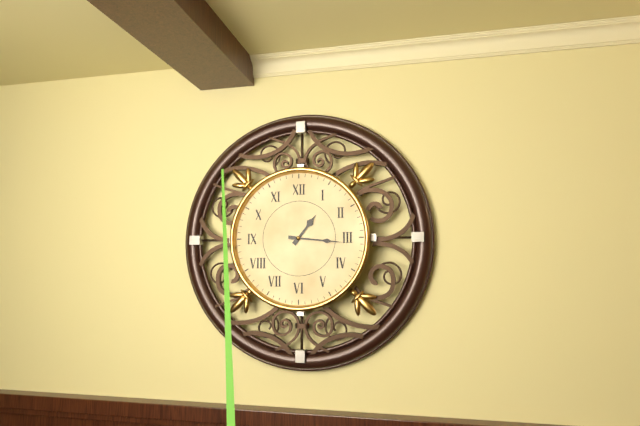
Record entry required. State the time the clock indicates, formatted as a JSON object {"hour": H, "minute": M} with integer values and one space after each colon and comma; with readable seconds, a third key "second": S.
{"hour": 1, "minute": 16}
